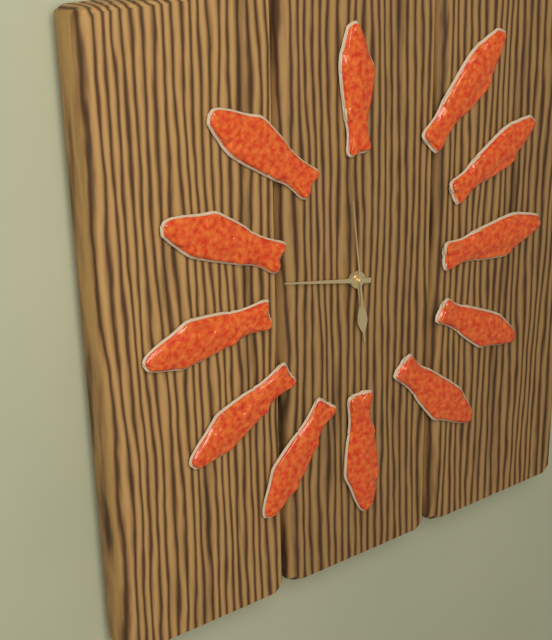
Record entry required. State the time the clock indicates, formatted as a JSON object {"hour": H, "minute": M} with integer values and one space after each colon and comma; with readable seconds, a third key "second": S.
{"hour": 5, "minute": 47, "second": 59}
